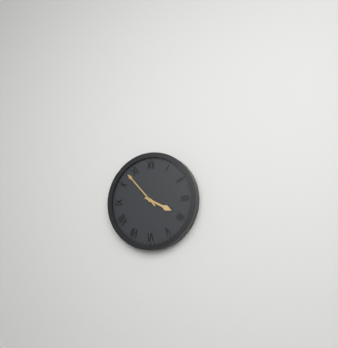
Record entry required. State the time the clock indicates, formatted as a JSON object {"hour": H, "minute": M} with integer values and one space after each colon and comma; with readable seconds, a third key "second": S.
{"hour": 3, "minute": 53}
